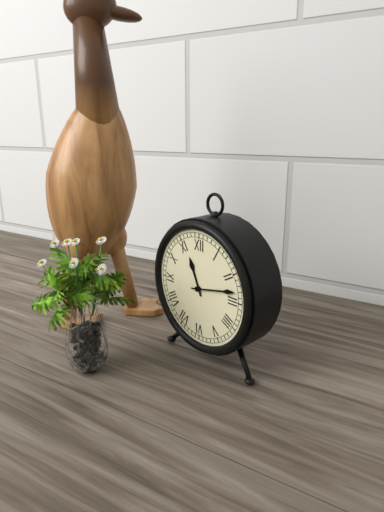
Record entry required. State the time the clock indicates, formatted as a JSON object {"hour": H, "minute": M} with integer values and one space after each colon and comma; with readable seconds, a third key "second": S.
{"hour": 11, "minute": 13}
